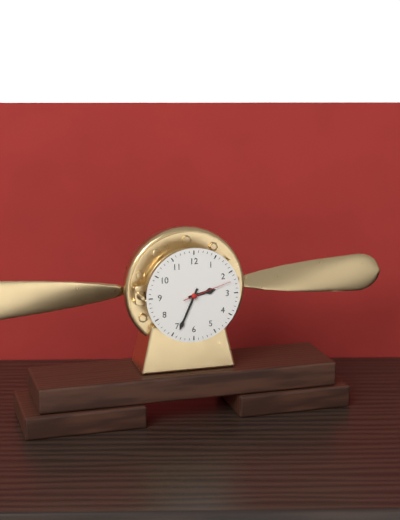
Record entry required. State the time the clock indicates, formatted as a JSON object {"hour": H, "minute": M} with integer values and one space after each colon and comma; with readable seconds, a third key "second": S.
{"hour": 2, "minute": 34}
